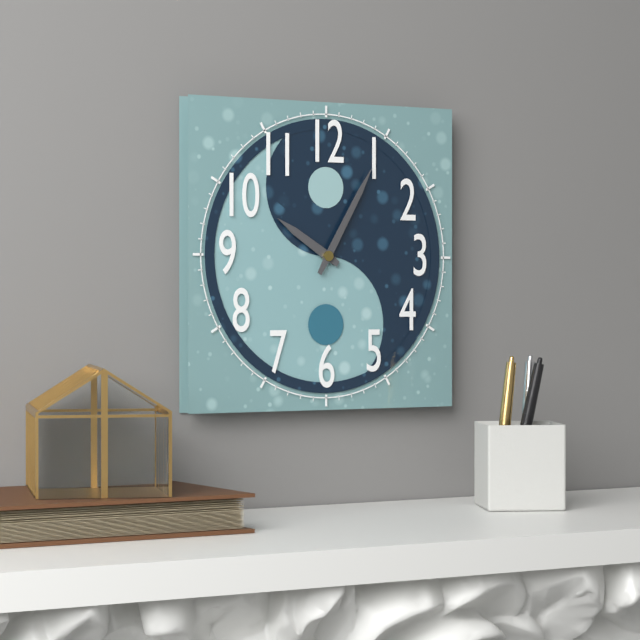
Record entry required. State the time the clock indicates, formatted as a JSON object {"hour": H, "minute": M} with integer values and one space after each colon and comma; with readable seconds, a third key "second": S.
{"hour": 10, "minute": 5}
